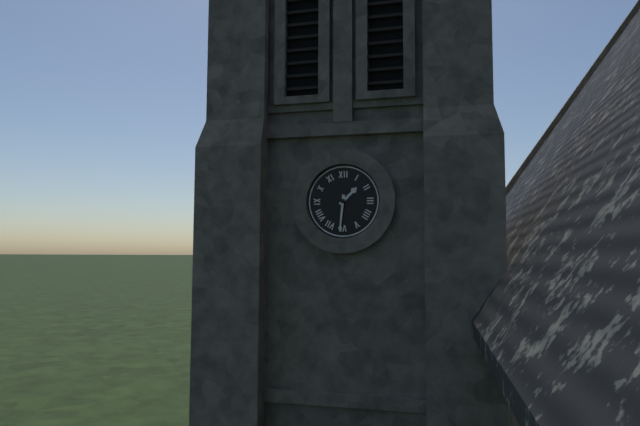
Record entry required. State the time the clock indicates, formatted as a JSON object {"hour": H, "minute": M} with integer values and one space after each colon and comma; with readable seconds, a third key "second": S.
{"hour": 1, "minute": 31}
